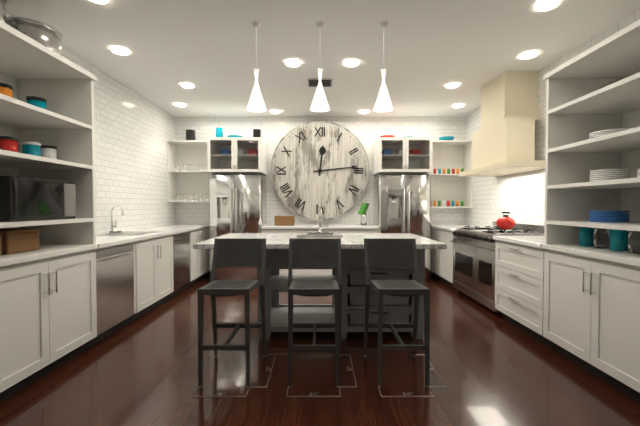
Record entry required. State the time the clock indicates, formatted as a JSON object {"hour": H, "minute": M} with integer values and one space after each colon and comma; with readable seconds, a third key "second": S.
{"hour": 12, "minute": 14}
